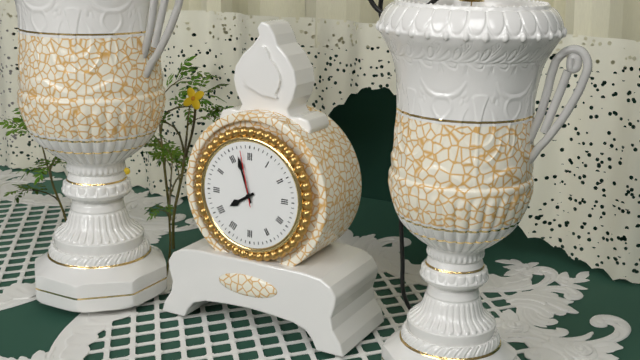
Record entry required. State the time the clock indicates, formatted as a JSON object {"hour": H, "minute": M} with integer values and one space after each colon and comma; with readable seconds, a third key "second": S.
{"hour": 7, "minute": 57, "second": 58}
